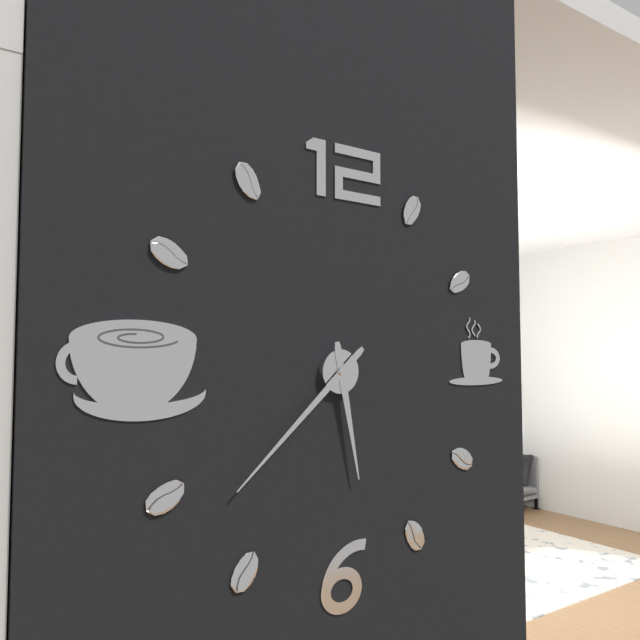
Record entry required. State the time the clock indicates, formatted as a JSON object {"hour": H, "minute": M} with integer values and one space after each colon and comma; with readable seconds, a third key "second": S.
{"hour": 5, "minute": 38}
